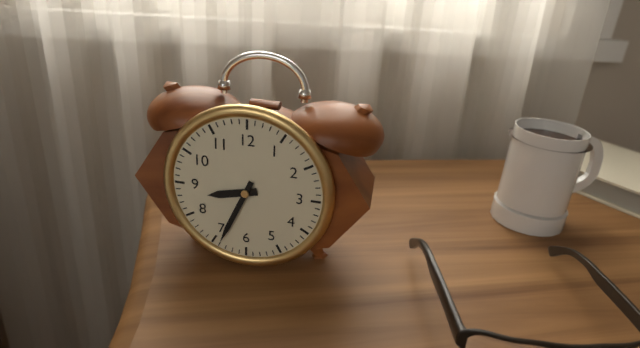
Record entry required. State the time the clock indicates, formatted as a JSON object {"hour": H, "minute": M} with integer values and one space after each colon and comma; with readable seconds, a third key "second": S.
{"hour": 8, "minute": 34}
